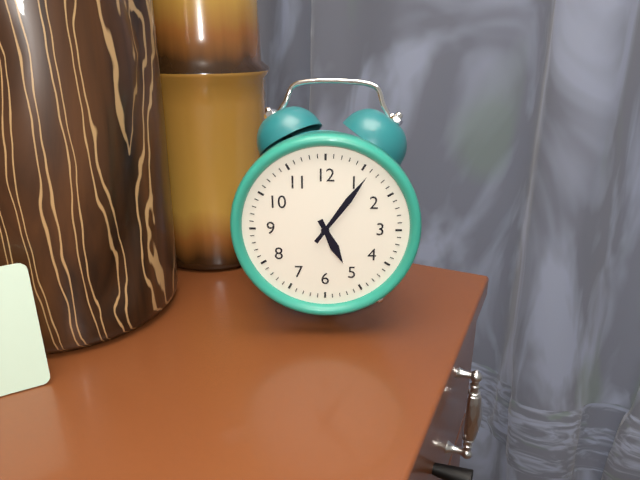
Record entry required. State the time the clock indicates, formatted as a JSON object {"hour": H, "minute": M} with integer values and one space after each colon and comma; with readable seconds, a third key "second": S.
{"hour": 5, "minute": 6}
